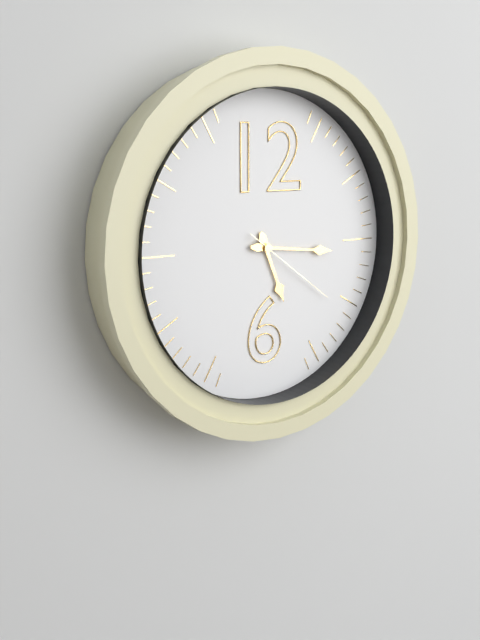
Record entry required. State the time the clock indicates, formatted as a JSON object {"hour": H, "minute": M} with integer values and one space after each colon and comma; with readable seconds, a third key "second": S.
{"hour": 5, "minute": 16, "second": 21}
